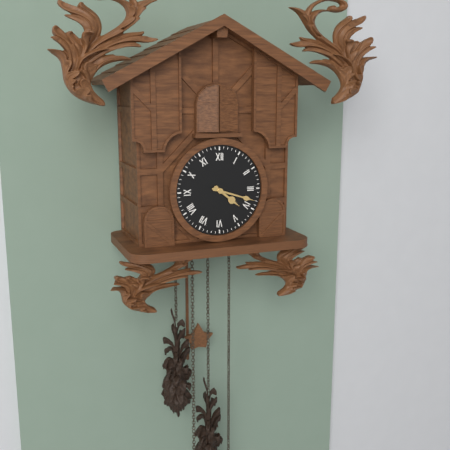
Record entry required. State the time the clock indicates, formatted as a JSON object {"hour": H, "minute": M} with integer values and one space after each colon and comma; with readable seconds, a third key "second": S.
{"hour": 4, "minute": 18}
